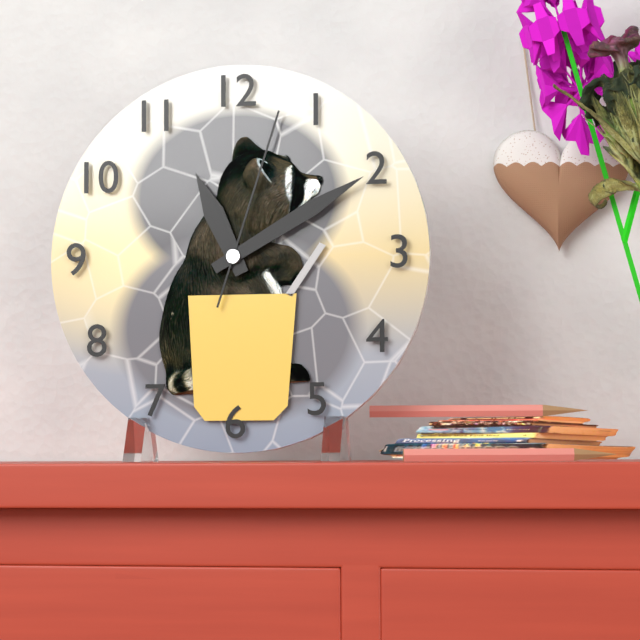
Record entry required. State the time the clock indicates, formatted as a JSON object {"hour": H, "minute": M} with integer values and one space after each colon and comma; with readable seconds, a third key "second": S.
{"hour": 11, "minute": 10, "second": 3}
